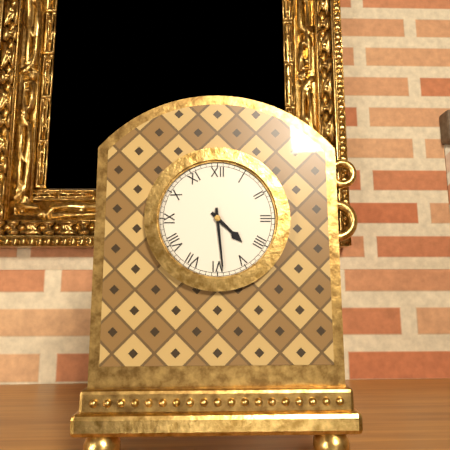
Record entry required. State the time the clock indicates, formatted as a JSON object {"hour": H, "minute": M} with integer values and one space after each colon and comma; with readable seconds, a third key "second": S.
{"hour": 4, "minute": 29}
